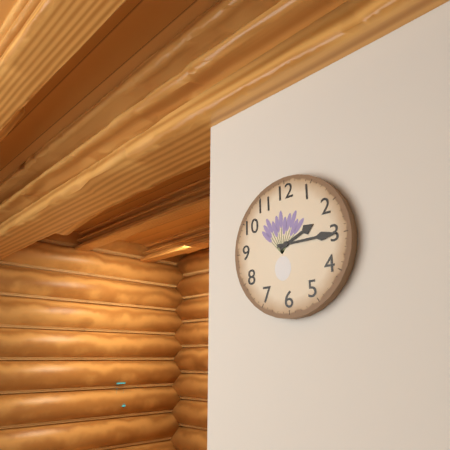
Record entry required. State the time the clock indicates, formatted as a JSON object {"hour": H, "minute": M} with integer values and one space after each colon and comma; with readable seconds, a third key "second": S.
{"hour": 2, "minute": 15}
